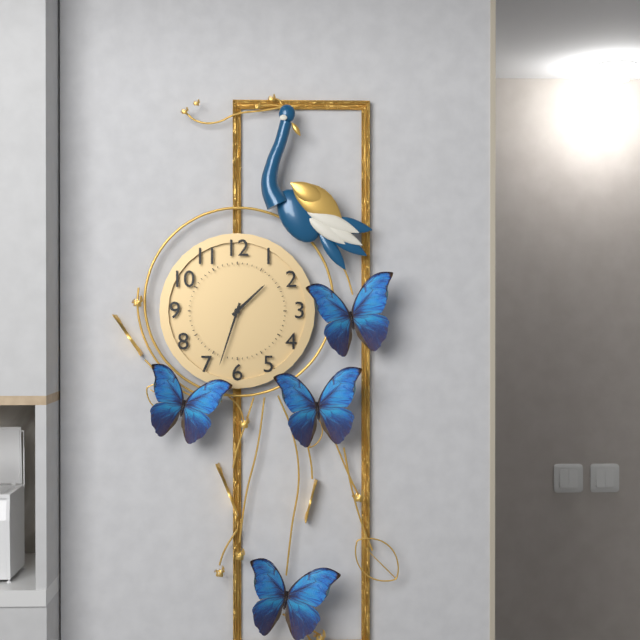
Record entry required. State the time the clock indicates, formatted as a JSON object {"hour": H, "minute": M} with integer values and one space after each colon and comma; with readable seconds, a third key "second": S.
{"hour": 1, "minute": 33}
